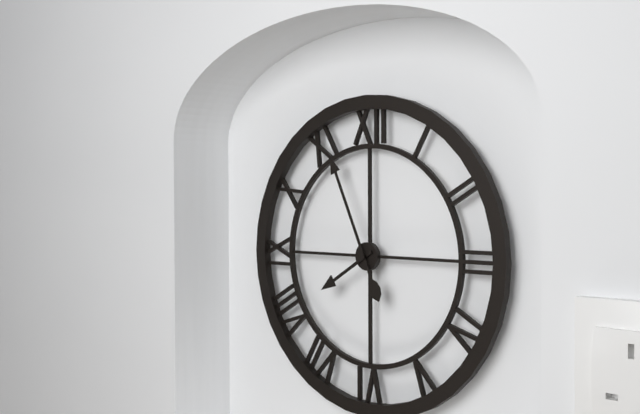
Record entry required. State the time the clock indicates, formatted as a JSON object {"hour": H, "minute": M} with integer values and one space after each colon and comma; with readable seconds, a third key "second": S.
{"hour": 7, "minute": 56}
